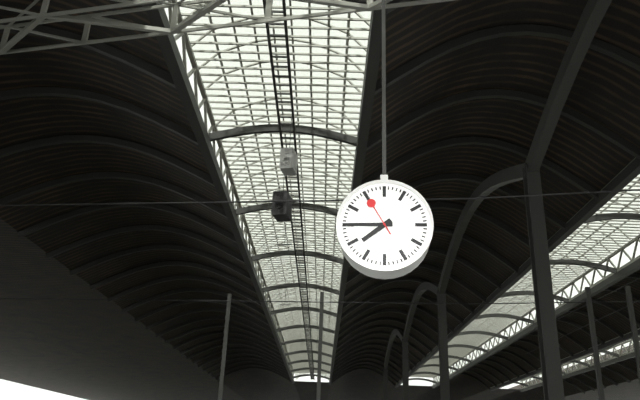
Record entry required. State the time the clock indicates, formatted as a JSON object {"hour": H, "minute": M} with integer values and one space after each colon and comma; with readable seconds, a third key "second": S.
{"hour": 7, "minute": 45}
